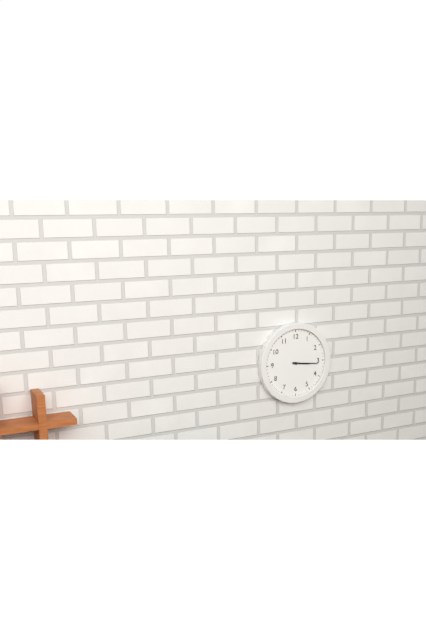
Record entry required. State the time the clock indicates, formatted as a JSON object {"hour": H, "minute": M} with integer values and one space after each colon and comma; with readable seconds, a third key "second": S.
{"hour": 3, "minute": 16}
